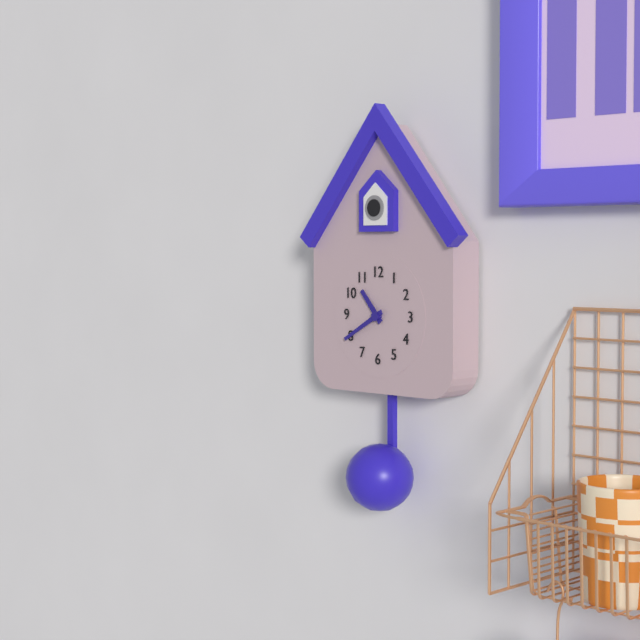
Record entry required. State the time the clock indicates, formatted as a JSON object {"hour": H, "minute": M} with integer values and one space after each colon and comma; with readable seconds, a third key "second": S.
{"hour": 10, "minute": 40}
